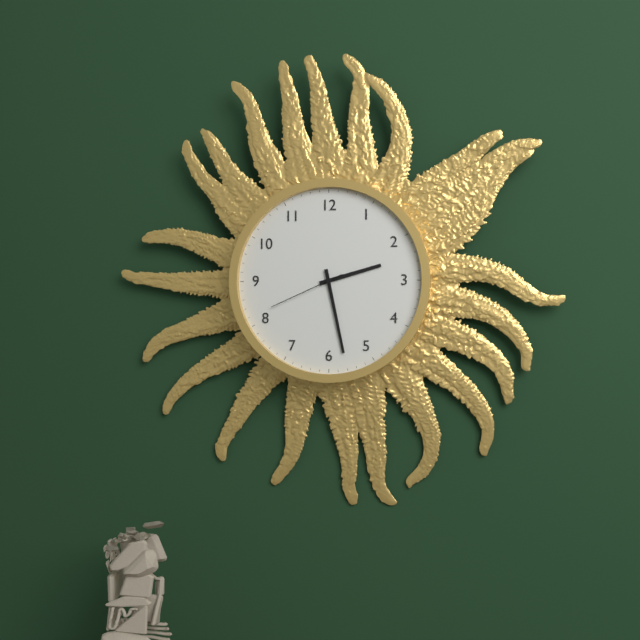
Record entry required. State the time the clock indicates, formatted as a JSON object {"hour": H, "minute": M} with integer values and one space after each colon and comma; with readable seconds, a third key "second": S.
{"hour": 2, "minute": 28, "second": 41}
